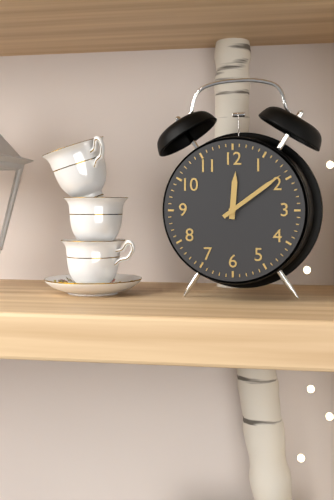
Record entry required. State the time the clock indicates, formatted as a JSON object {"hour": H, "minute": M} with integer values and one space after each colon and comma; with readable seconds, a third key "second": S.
{"hour": 12, "minute": 9}
